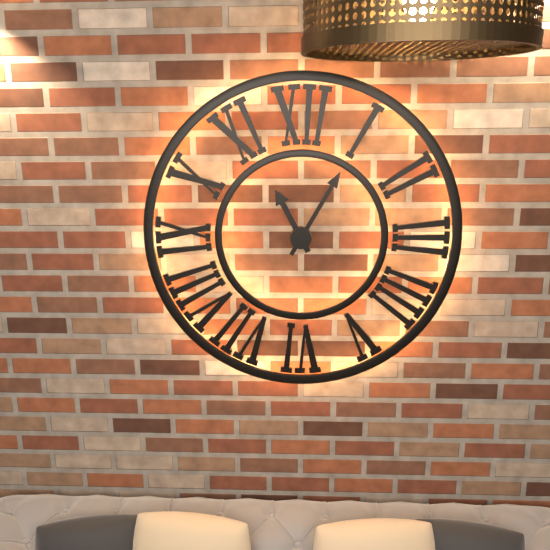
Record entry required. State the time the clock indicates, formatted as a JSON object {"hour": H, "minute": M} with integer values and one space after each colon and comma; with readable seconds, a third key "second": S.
{"hour": 11, "minute": 5}
